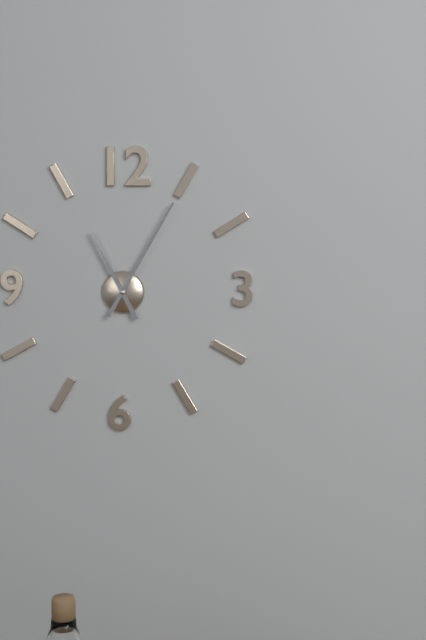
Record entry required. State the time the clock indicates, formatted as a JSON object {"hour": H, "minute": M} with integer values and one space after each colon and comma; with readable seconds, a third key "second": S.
{"hour": 11, "minute": 5}
